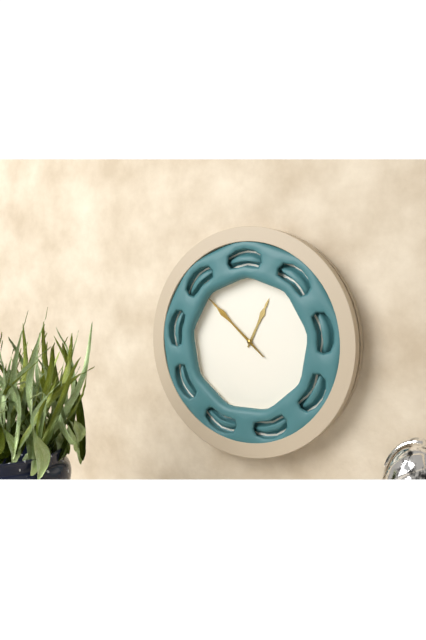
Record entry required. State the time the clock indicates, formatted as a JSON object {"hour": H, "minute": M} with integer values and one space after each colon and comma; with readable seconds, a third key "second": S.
{"hour": 12, "minute": 52}
